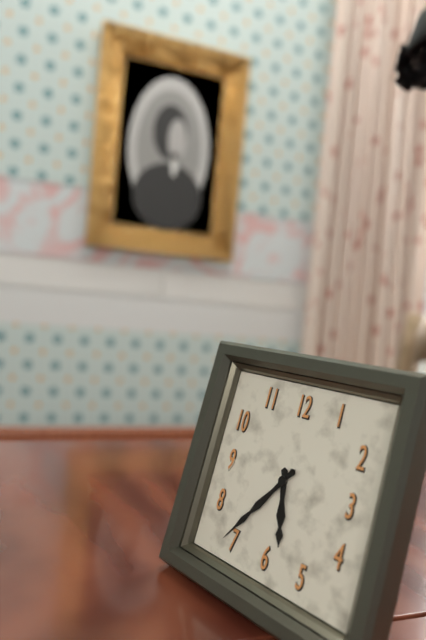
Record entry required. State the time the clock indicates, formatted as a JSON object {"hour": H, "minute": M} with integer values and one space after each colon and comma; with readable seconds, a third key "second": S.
{"hour": 5, "minute": 36}
